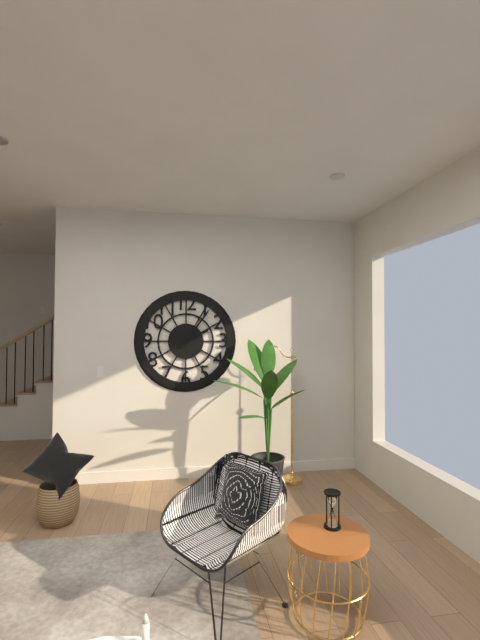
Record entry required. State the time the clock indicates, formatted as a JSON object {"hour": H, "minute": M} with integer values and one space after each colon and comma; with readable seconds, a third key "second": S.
{"hour": 2, "minute": 6}
